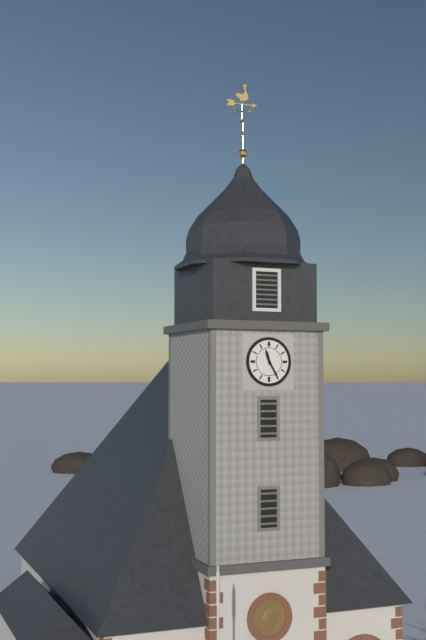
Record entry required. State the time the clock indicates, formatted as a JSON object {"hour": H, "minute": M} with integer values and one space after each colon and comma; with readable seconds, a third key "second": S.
{"hour": 11, "minute": 25}
